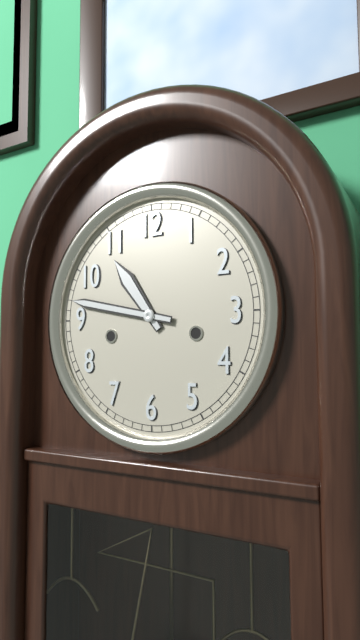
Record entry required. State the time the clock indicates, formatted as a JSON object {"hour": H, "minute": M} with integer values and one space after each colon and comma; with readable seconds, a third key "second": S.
{"hour": 10, "minute": 47}
